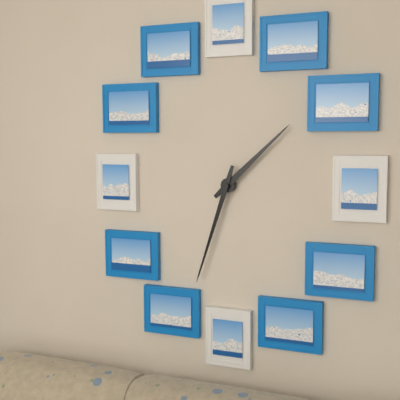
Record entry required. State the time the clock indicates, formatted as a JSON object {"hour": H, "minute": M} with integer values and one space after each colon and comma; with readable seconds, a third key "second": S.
{"hour": 1, "minute": 33}
